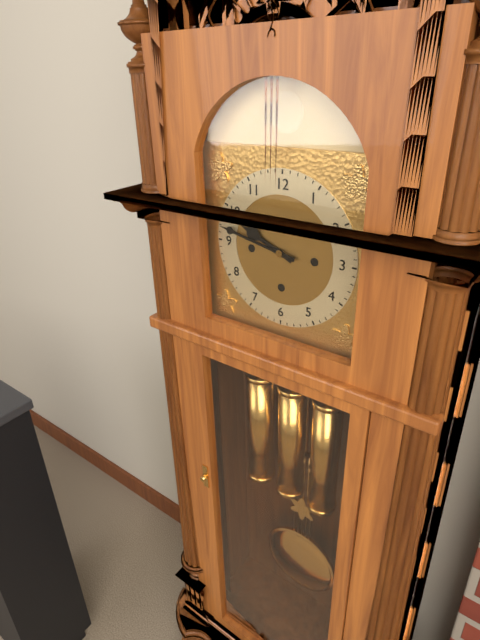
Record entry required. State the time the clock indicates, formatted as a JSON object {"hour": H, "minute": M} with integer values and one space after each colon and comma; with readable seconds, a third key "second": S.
{"hour": 9, "minute": 47}
